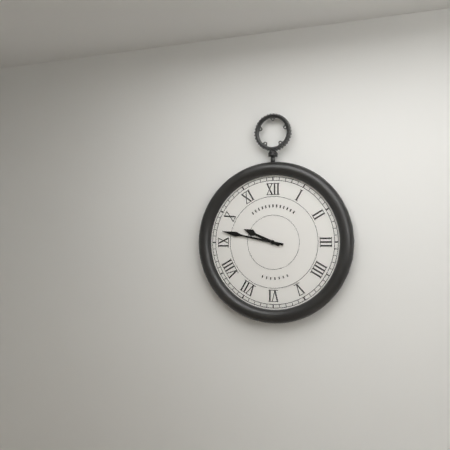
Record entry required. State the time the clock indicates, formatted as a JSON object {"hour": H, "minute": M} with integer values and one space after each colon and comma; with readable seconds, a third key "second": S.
{"hour": 9, "minute": 47}
